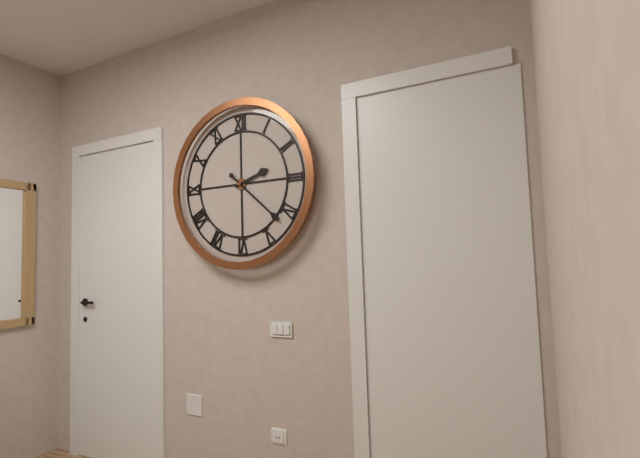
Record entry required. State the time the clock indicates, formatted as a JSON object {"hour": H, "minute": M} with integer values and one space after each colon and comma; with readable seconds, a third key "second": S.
{"hour": 2, "minute": 22}
